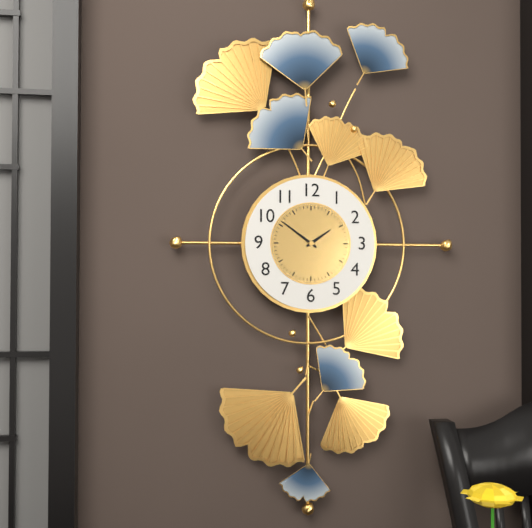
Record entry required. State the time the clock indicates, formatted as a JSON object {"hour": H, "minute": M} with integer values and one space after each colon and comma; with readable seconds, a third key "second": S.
{"hour": 1, "minute": 51}
